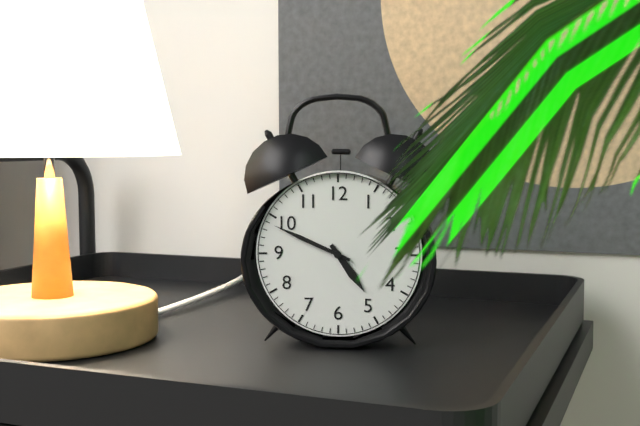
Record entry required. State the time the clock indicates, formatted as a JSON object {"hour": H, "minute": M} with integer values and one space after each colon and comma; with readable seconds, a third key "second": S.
{"hour": 4, "minute": 49}
